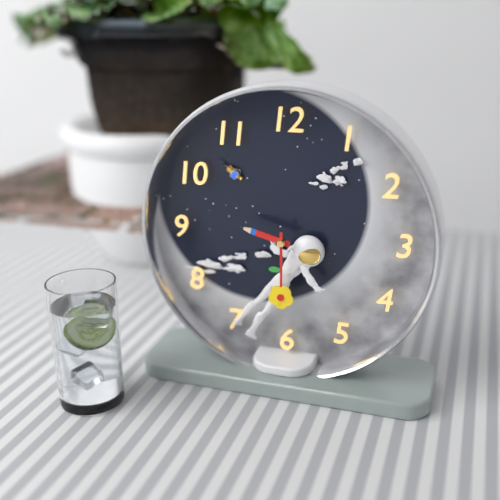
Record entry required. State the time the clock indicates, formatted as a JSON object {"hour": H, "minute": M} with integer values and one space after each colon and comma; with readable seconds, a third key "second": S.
{"hour": 9, "minute": 30}
